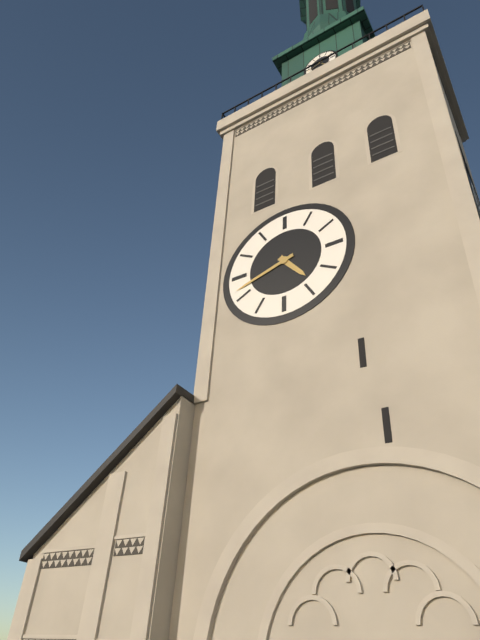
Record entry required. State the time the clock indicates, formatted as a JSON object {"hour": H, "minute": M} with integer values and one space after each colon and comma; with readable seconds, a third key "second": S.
{"hour": 4, "minute": 42}
